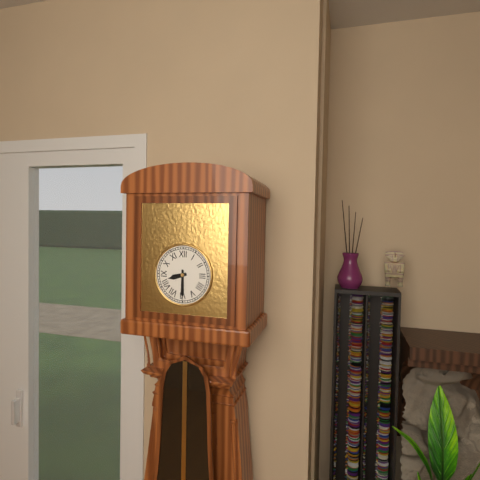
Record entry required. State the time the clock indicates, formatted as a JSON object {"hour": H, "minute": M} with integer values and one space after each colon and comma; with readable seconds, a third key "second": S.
{"hour": 8, "minute": 30}
